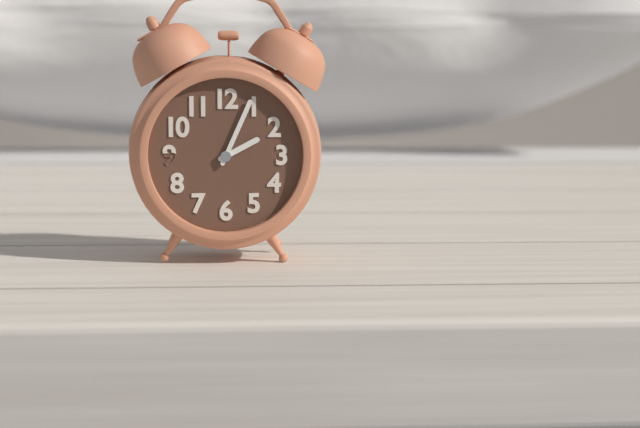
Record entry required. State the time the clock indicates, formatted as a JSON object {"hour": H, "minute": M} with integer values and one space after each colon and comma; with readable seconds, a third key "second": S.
{"hour": 2, "minute": 4}
